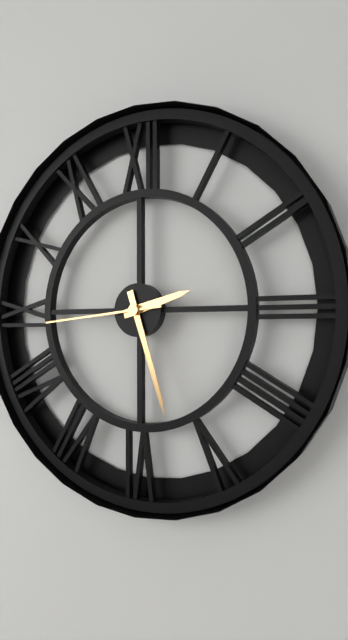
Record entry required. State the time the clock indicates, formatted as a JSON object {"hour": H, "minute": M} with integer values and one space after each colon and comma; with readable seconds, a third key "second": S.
{"hour": 2, "minute": 27, "second": 44}
